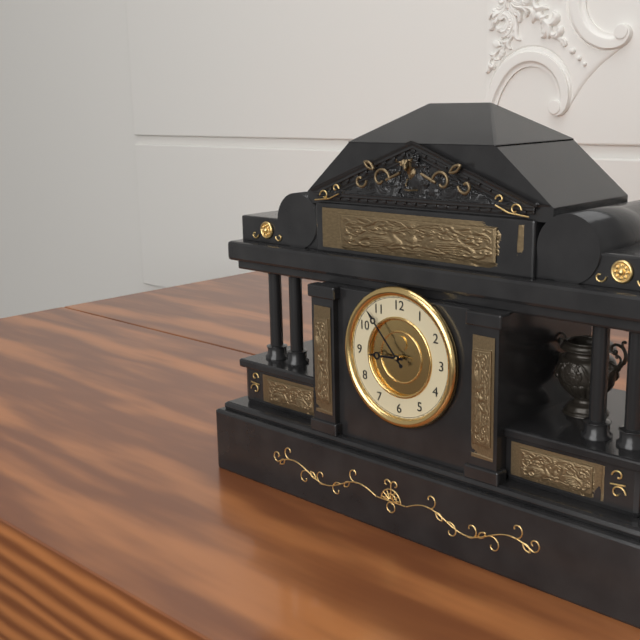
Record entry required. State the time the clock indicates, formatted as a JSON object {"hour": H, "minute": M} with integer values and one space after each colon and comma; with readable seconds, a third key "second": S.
{"hour": 8, "minute": 53}
